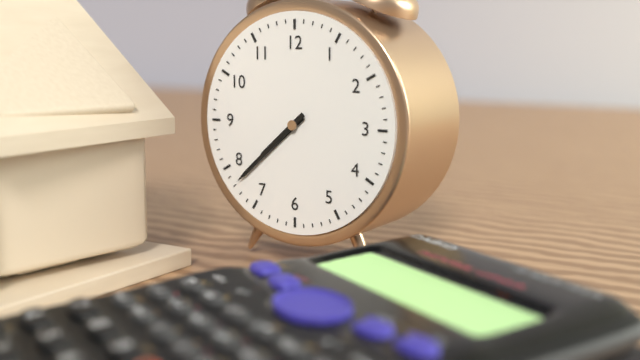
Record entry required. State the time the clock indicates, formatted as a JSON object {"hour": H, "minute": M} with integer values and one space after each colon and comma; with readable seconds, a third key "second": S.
{"hour": 7, "minute": 38}
